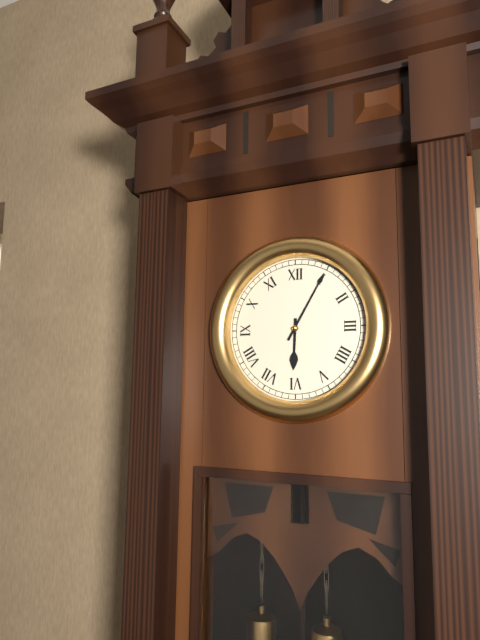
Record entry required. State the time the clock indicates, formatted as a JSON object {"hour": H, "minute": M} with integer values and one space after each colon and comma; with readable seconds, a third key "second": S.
{"hour": 6, "minute": 5}
